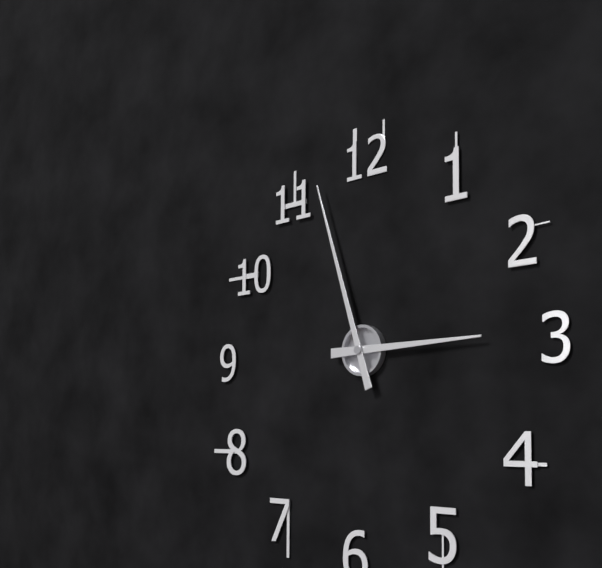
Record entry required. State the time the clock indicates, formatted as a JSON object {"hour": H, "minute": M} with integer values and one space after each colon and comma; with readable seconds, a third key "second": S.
{"hour": 2, "minute": 57}
